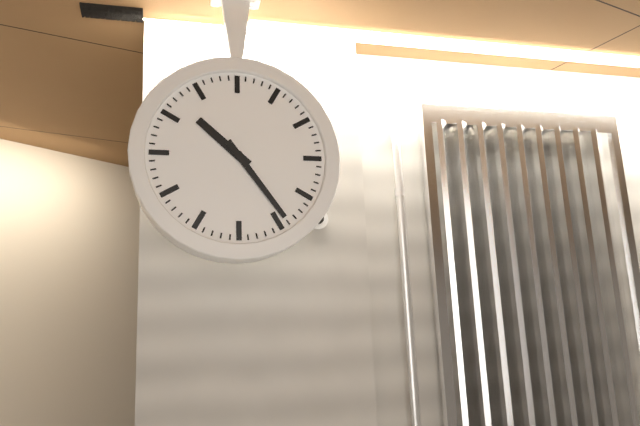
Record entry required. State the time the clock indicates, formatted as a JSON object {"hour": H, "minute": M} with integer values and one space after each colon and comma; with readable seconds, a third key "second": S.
{"hour": 10, "minute": 24}
